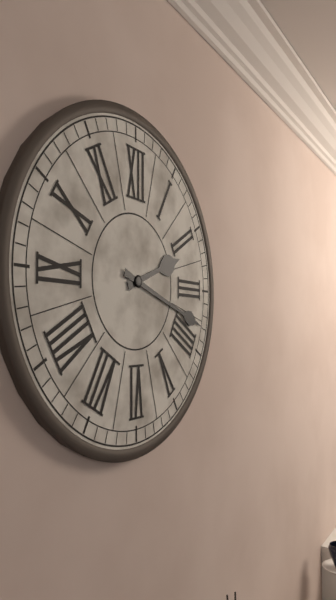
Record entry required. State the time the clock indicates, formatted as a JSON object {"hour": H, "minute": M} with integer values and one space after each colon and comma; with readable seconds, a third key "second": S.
{"hour": 2, "minute": 18}
